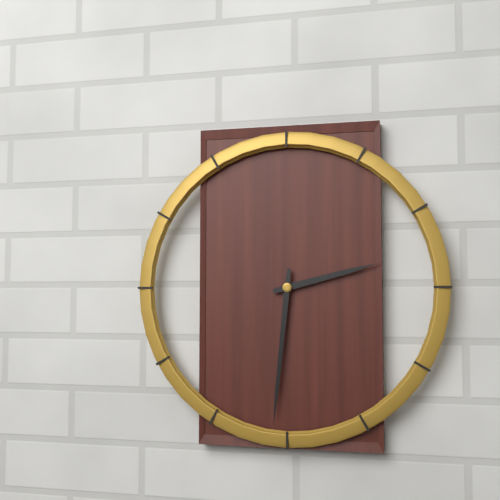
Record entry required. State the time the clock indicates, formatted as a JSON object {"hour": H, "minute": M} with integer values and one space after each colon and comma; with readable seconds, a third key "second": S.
{"hour": 2, "minute": 31}
